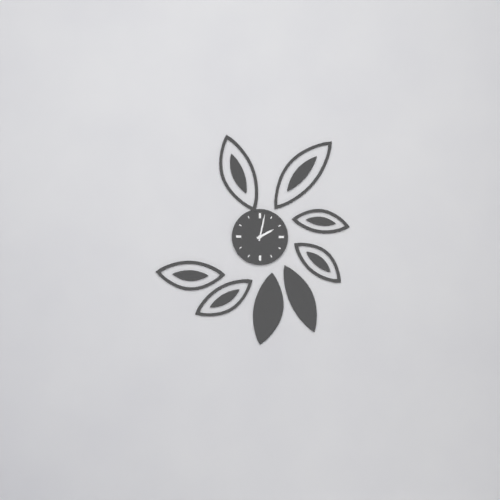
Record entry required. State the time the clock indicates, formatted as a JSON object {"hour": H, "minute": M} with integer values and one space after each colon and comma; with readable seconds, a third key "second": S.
{"hour": 2, "minute": 2}
